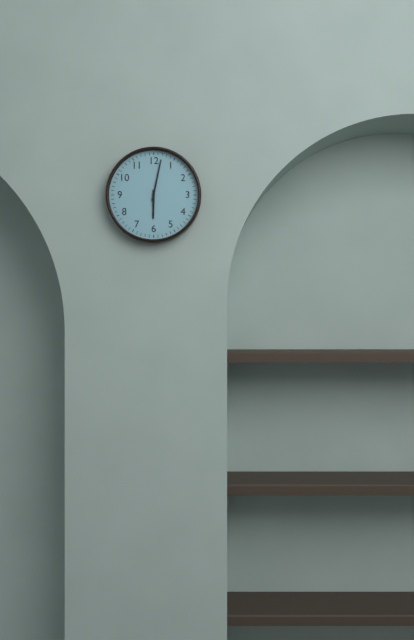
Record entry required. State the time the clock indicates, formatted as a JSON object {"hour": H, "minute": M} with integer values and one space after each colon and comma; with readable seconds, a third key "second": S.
{"hour": 6, "minute": 2}
